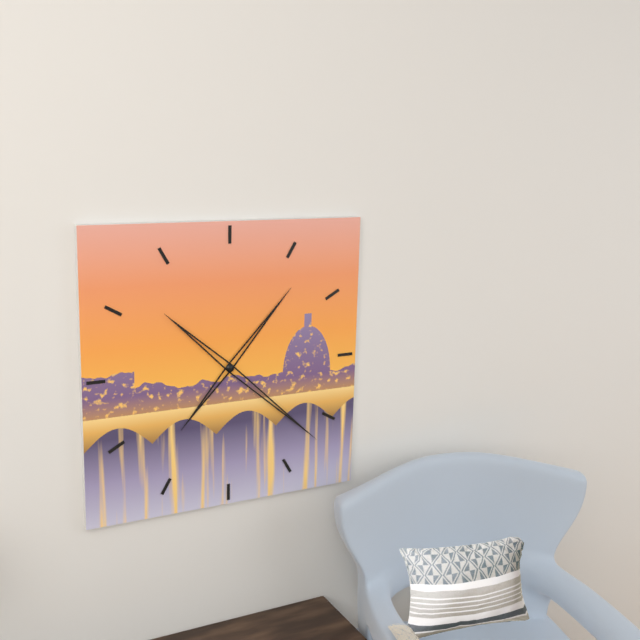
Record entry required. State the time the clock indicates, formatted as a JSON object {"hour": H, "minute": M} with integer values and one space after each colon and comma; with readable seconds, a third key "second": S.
{"hour": 1, "minute": 22}
